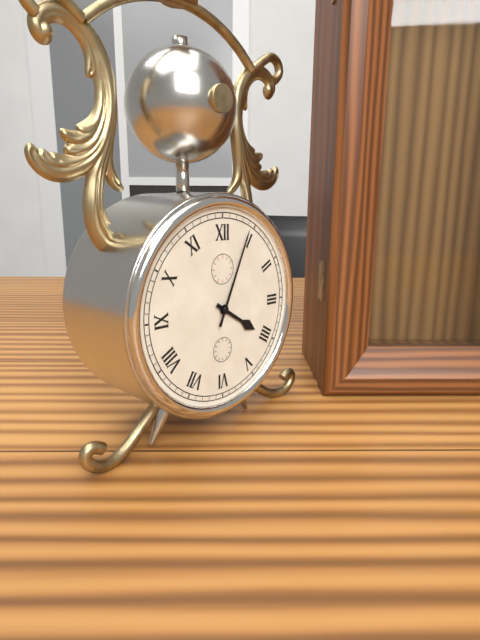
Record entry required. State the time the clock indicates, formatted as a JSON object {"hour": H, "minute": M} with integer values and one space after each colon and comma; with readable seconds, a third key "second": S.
{"hour": 4, "minute": 4}
